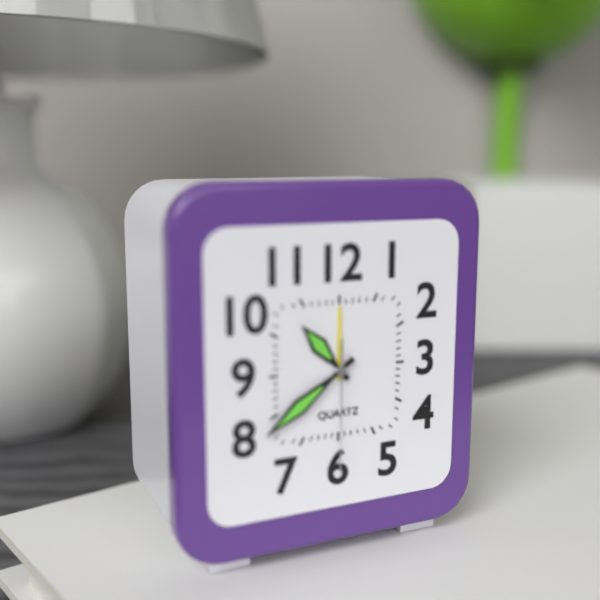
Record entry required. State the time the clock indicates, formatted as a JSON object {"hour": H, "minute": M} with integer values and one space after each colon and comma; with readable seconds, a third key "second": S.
{"hour": 10, "minute": 39, "second": 30}
